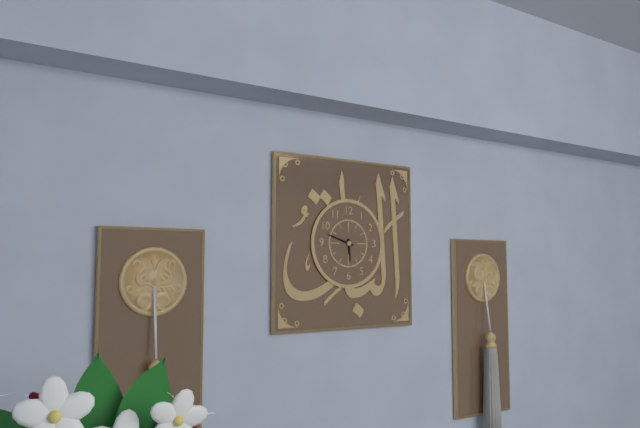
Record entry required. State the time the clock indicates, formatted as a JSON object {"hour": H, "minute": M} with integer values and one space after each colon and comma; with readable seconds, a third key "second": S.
{"hour": 5, "minute": 48}
